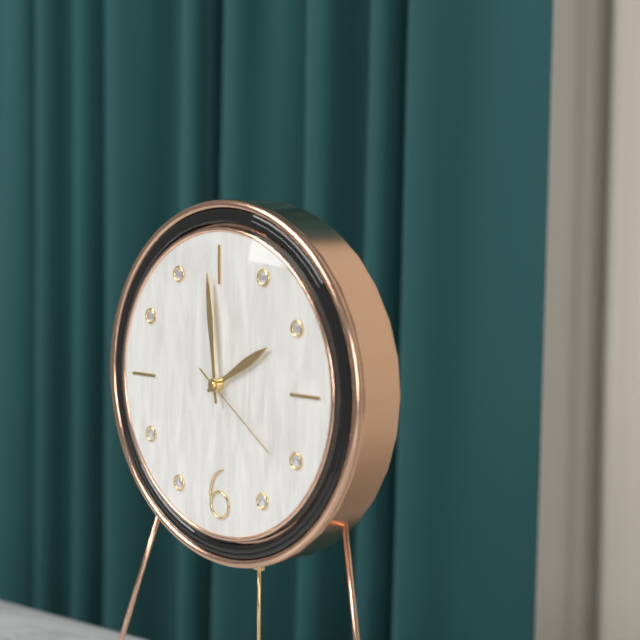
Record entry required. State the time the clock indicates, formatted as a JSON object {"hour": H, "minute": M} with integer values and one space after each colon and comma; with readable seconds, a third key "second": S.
{"hour": 1, "minute": 59, "second": 21}
